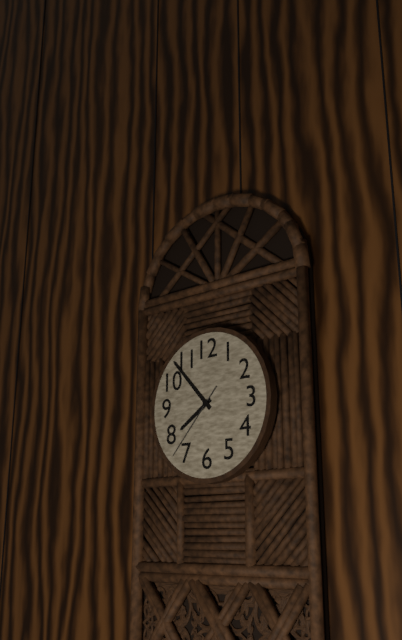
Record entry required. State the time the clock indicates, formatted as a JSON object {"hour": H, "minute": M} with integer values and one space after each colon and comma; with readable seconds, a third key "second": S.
{"hour": 7, "minute": 53, "second": 37}
